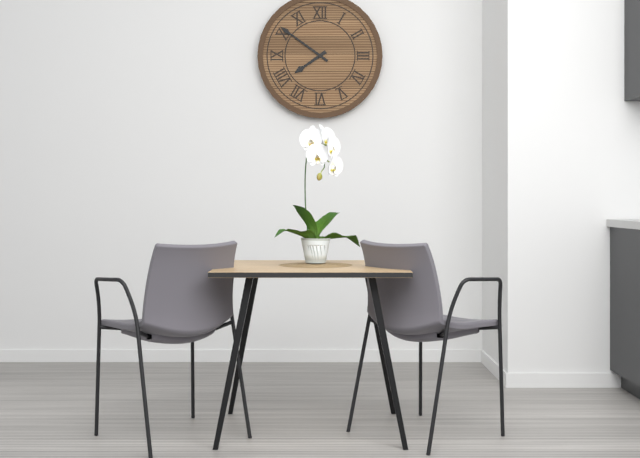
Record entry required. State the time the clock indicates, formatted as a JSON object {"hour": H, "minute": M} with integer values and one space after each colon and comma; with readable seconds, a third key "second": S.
{"hour": 7, "minute": 51}
